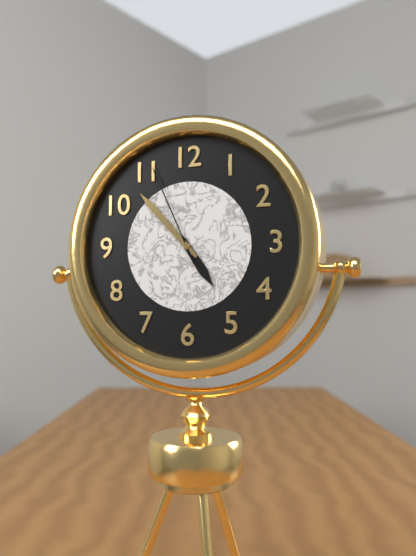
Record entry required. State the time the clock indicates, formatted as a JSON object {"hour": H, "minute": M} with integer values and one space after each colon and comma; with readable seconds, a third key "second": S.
{"hour": 4, "minute": 53, "second": 56}
